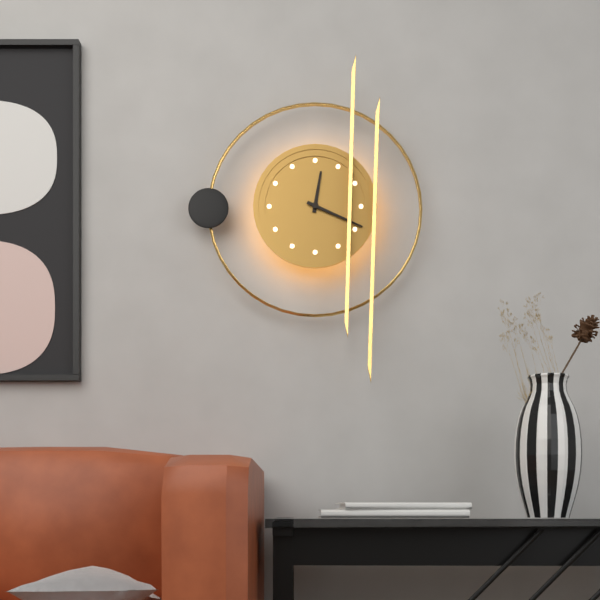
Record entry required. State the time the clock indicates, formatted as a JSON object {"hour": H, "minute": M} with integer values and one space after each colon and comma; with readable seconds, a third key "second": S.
{"hour": 12, "minute": 19}
